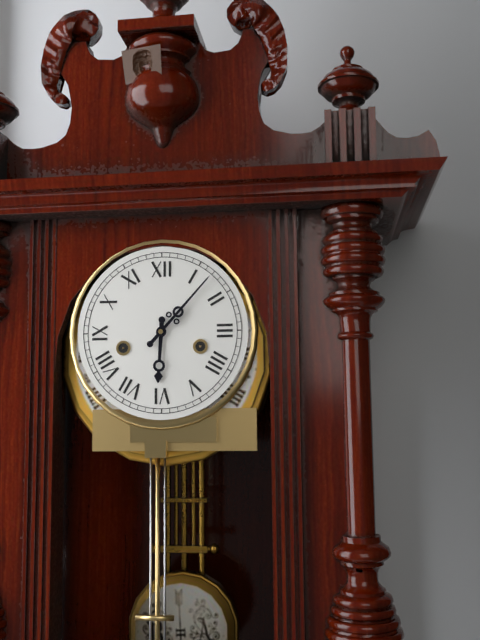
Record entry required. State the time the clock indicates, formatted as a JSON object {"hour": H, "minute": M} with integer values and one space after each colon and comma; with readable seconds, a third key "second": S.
{"hour": 6, "minute": 7}
